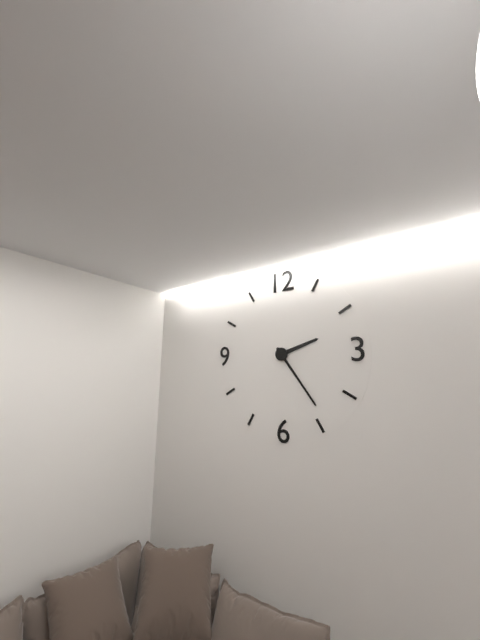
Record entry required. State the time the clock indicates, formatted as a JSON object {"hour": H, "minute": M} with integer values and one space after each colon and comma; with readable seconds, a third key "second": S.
{"hour": 2, "minute": 24}
